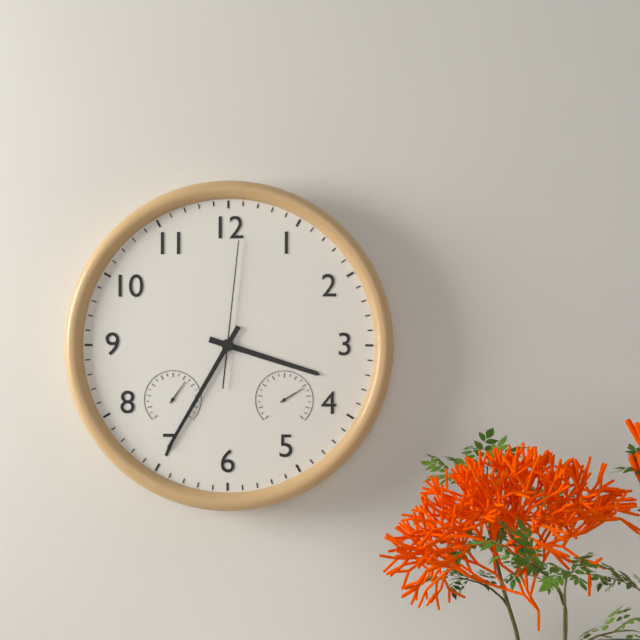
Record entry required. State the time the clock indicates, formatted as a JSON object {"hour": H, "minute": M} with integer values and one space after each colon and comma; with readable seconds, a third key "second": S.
{"hour": 3, "minute": 35, "second": 1}
